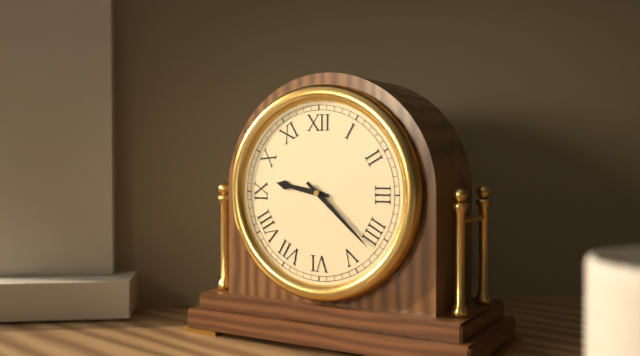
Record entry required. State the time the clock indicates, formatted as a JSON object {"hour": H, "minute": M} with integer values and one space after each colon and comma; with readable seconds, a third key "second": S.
{"hour": 9, "minute": 22}
